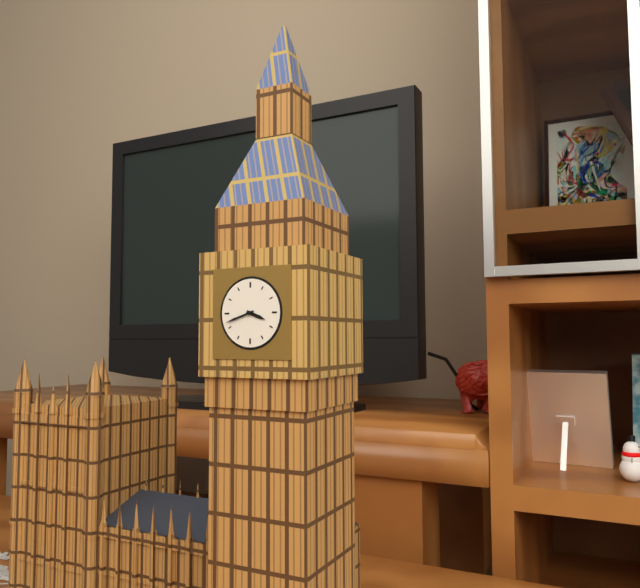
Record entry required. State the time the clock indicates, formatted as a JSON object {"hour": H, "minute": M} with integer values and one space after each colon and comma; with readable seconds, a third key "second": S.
{"hour": 3, "minute": 42}
